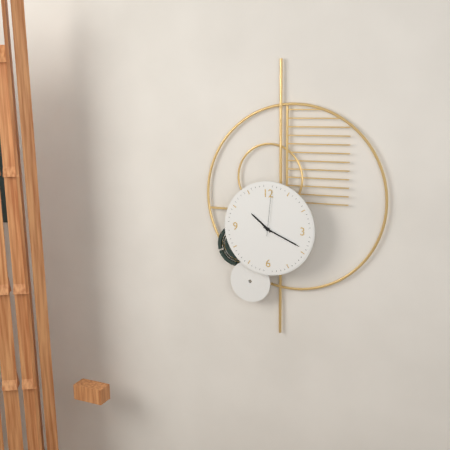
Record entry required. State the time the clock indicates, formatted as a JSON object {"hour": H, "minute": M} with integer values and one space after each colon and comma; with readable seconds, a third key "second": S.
{"hour": 10, "minute": 19}
